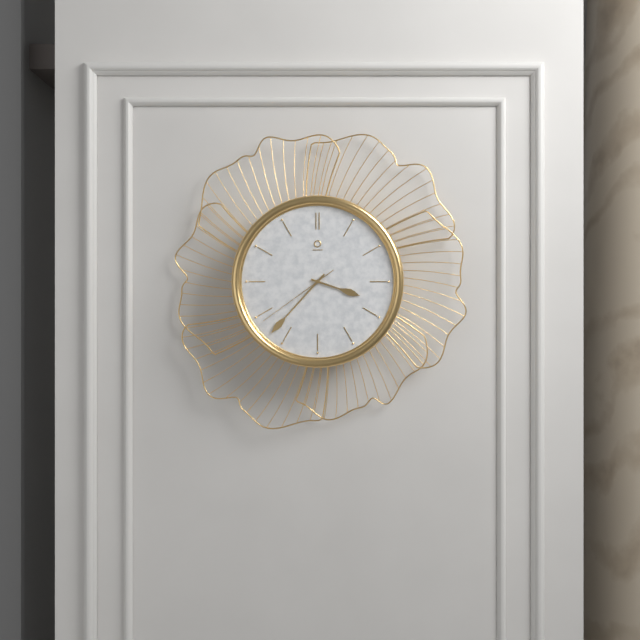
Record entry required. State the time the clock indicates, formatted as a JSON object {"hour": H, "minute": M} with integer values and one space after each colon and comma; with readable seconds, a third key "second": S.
{"hour": 3, "minute": 37, "second": 39}
